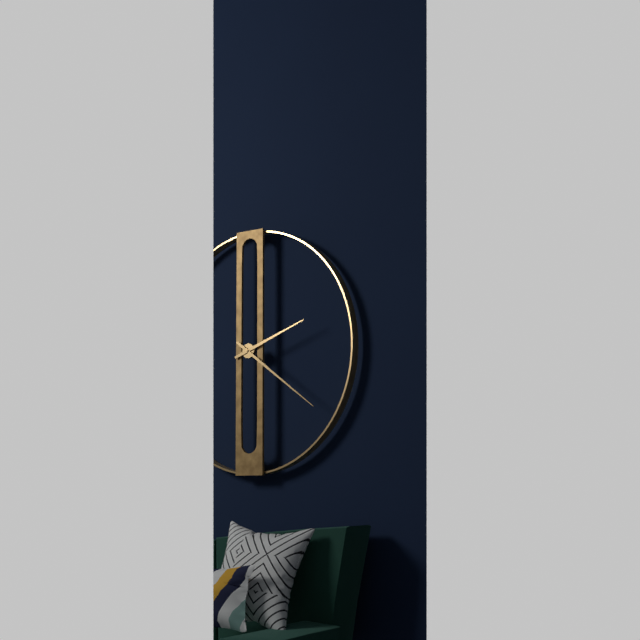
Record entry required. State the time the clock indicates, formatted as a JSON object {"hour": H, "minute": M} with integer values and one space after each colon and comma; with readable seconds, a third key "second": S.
{"hour": 2, "minute": 21}
